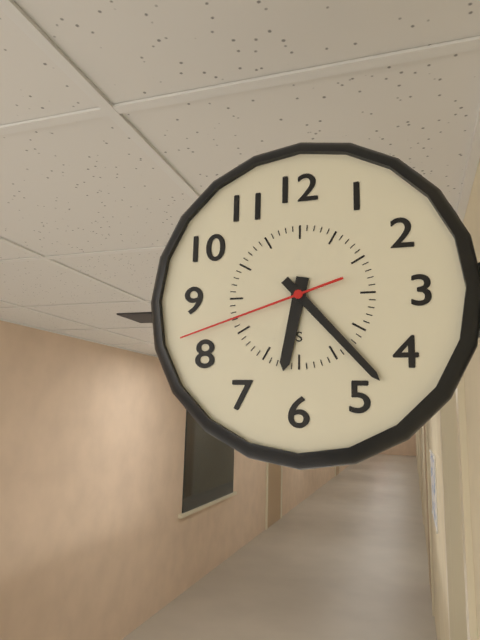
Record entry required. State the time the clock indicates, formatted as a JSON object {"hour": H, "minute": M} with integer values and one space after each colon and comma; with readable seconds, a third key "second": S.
{"hour": 6, "minute": 23, "second": 42}
